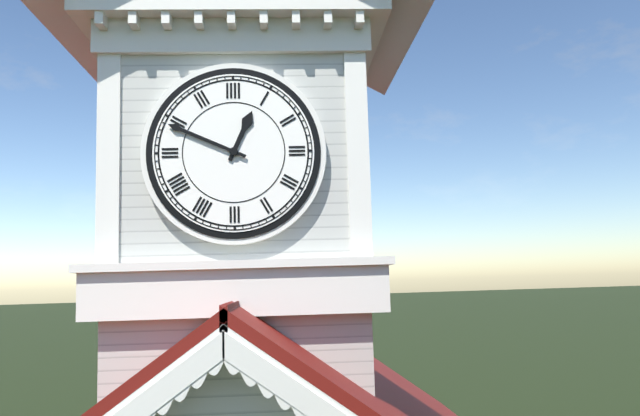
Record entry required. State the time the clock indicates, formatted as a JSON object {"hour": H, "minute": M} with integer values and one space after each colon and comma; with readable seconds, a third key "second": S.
{"hour": 12, "minute": 49}
